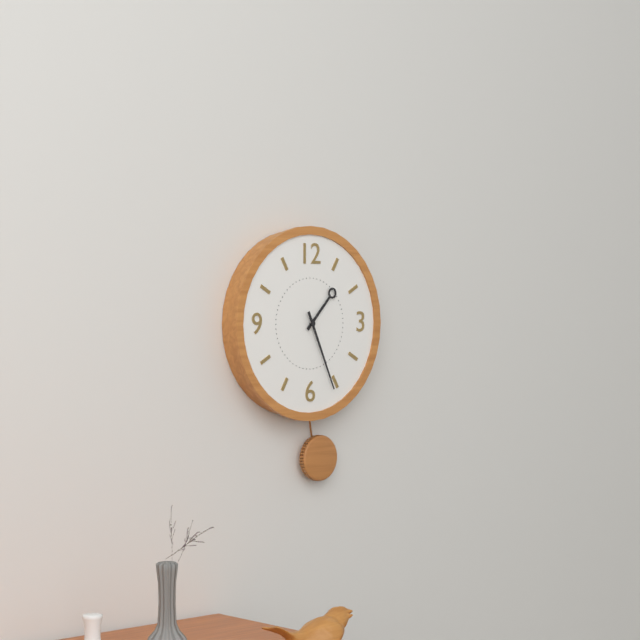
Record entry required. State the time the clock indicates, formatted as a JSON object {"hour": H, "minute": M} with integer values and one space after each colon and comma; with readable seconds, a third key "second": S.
{"hour": 1, "minute": 26}
